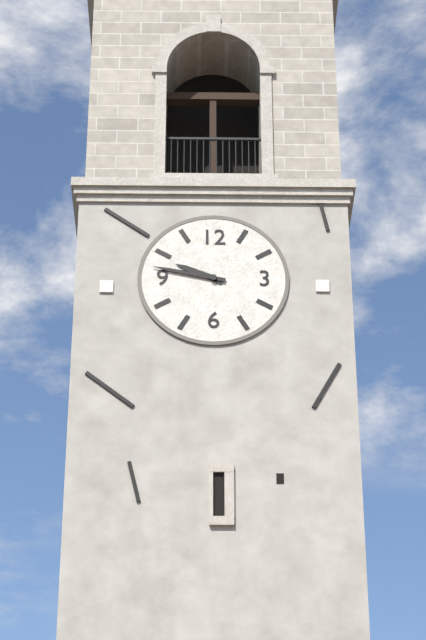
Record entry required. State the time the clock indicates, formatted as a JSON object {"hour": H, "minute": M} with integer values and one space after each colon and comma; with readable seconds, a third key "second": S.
{"hour": 9, "minute": 47}
